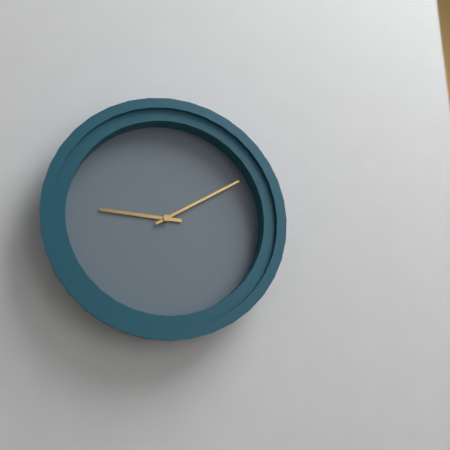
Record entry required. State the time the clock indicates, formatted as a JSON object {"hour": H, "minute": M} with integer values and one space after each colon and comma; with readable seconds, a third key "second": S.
{"hour": 9, "minute": 10}
